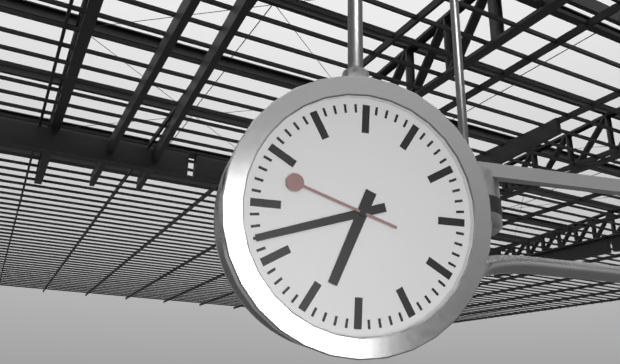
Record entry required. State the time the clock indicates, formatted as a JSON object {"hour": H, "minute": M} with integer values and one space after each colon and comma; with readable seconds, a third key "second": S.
{"hour": 6, "minute": 42, "second": 48}
